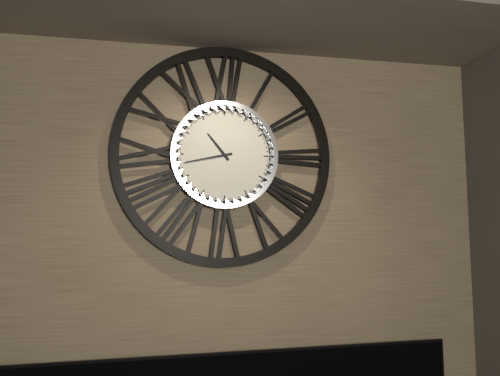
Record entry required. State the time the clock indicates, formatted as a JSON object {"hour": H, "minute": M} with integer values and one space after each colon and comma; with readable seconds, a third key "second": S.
{"hour": 10, "minute": 43}
